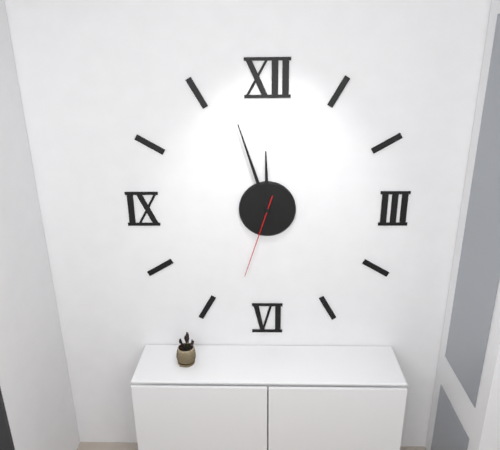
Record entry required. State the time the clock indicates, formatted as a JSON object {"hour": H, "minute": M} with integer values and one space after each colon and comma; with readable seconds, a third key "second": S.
{"hour": 11, "minute": 57, "second": 33}
